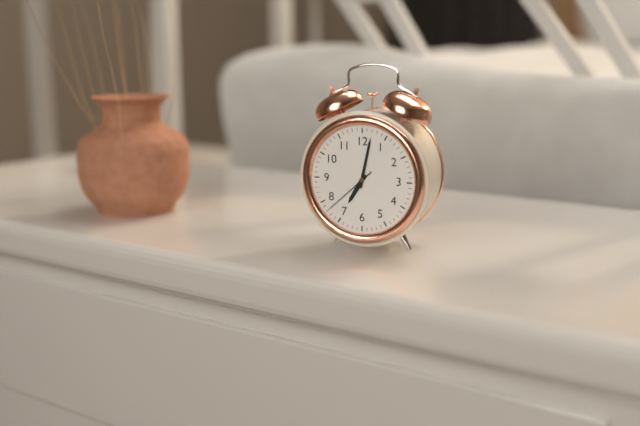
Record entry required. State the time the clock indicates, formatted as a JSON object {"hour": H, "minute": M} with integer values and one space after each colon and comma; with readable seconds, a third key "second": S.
{"hour": 7, "minute": 2, "second": 38}
